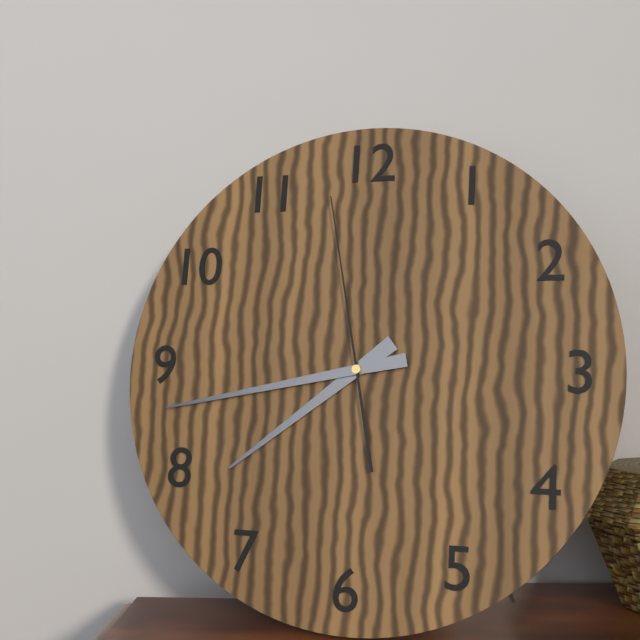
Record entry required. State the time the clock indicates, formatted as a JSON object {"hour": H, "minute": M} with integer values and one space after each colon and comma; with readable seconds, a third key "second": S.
{"hour": 7, "minute": 43, "second": 58}
